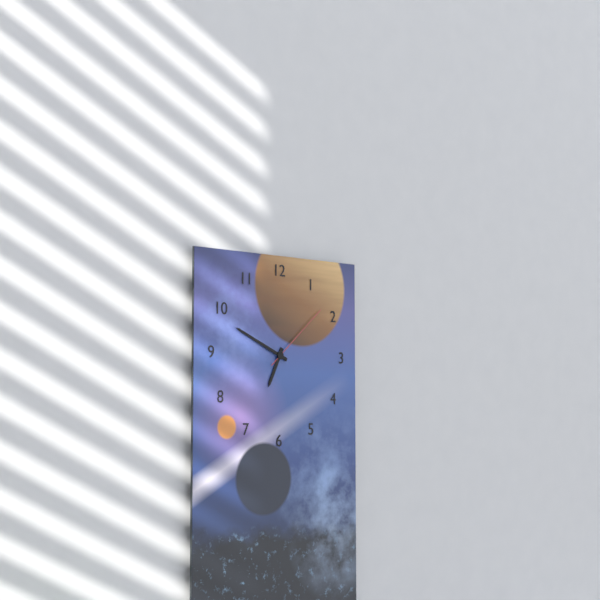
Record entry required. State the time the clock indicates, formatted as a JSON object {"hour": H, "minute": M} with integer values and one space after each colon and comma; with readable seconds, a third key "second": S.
{"hour": 6, "minute": 49, "second": 8}
